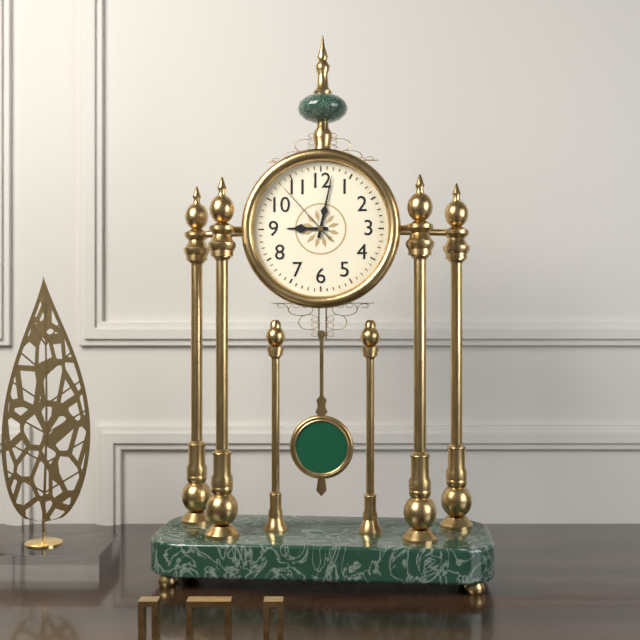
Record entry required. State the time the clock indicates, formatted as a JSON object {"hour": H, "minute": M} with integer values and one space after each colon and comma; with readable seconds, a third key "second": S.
{"hour": 9, "minute": 2, "second": 53}
